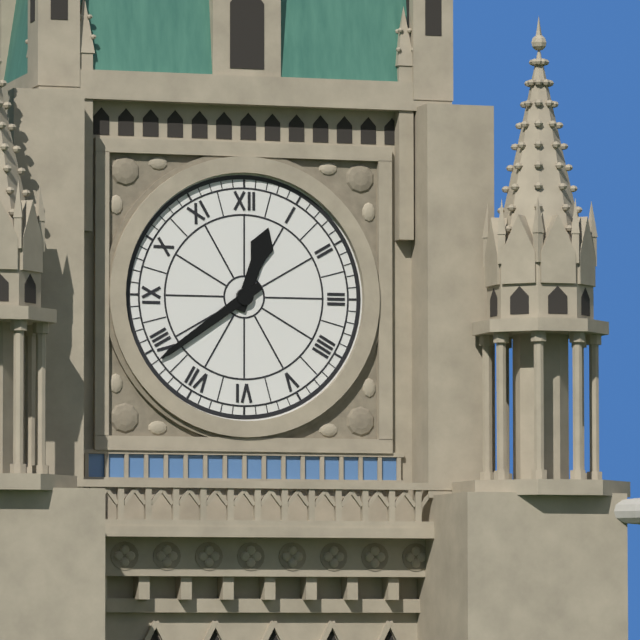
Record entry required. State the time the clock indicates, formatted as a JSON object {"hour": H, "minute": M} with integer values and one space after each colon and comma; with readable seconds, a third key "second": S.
{"hour": 12, "minute": 39}
